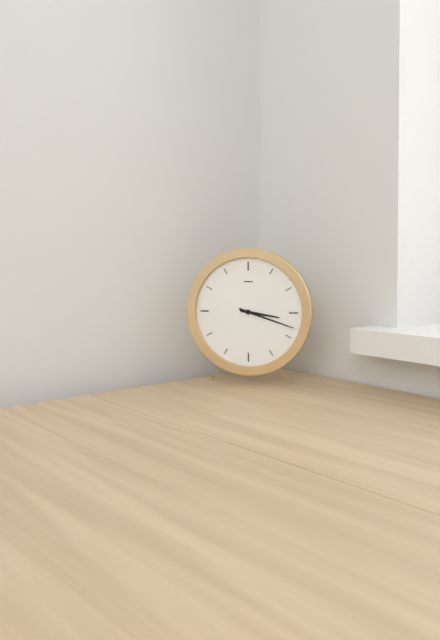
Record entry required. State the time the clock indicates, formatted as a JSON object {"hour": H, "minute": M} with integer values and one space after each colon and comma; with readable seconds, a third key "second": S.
{"hour": 3, "minute": 18}
